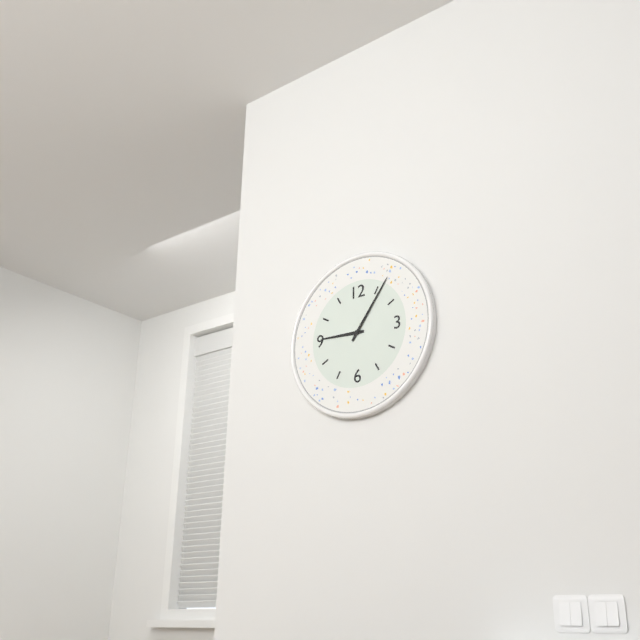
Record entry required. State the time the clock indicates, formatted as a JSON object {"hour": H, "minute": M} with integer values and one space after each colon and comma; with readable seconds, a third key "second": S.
{"hour": 9, "minute": 6}
